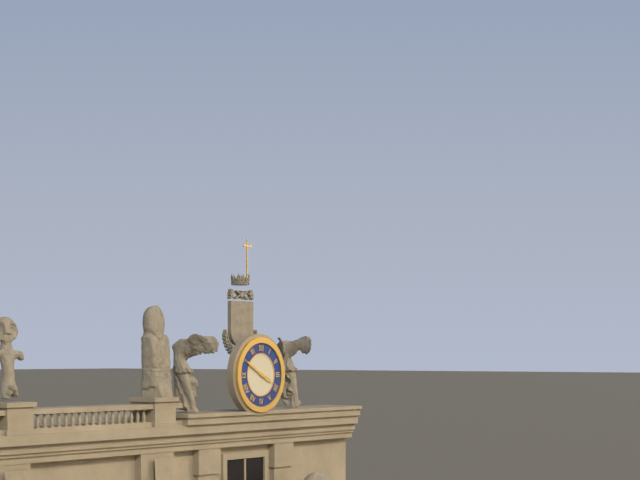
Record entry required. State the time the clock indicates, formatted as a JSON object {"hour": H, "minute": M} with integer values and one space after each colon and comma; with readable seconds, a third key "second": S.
{"hour": 3, "minute": 50}
